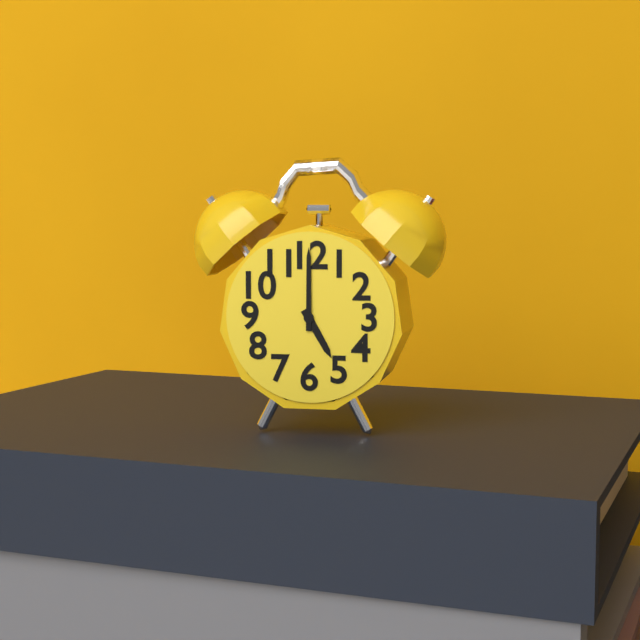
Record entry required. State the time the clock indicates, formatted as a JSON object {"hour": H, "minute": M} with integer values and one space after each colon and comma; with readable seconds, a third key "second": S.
{"hour": 5, "minute": 0}
